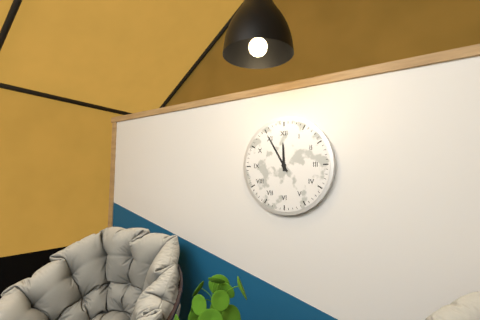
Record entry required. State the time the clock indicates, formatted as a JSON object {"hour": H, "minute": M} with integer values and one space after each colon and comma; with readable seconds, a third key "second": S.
{"hour": 11, "minute": 55}
